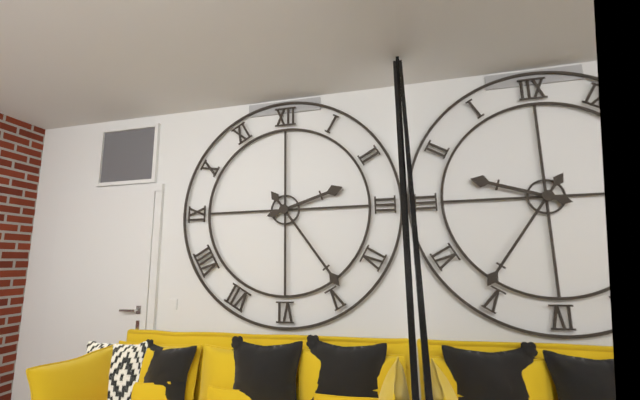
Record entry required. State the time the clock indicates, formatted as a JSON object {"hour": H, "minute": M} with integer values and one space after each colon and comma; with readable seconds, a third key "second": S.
{"hour": 2, "minute": 24}
